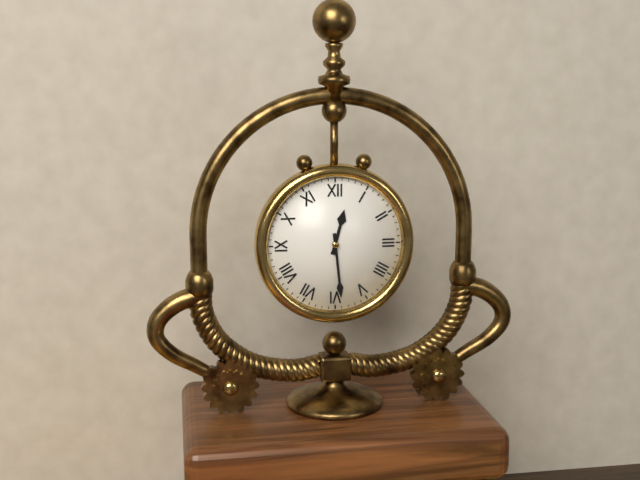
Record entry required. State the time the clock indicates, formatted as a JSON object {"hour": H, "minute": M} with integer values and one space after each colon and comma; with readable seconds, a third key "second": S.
{"hour": 12, "minute": 29}
